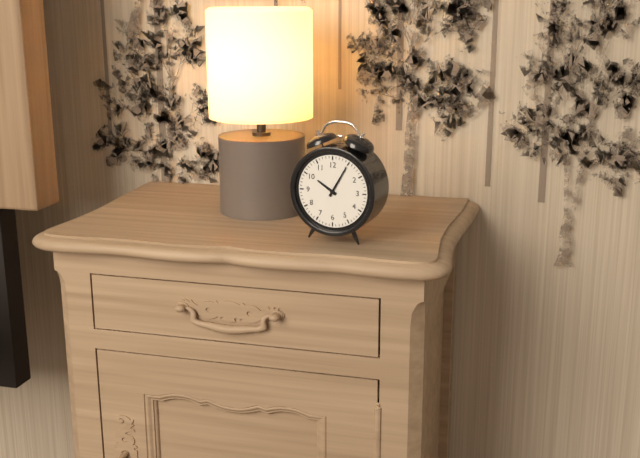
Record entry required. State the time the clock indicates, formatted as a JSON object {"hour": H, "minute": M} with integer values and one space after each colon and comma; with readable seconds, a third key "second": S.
{"hour": 10, "minute": 5}
